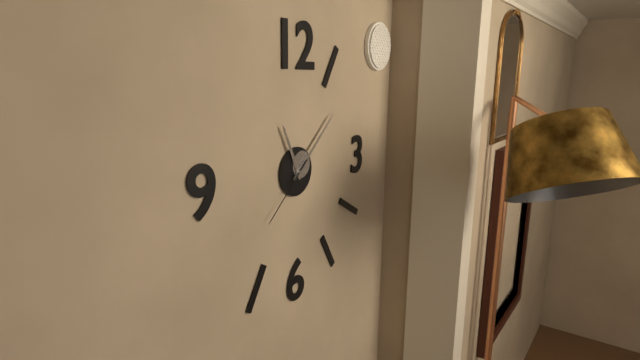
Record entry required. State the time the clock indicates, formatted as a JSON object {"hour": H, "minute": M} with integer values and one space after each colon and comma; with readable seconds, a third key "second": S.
{"hour": 11, "minute": 8, "second": 38}
